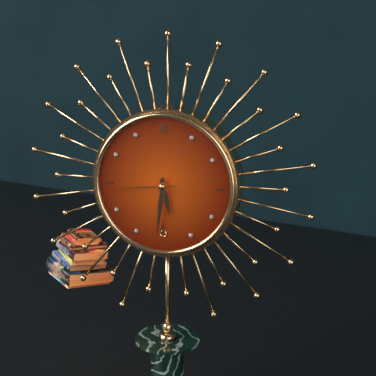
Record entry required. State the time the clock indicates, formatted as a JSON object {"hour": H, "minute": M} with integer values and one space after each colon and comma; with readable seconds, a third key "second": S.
{"hour": 5, "minute": 31, "second": 44}
